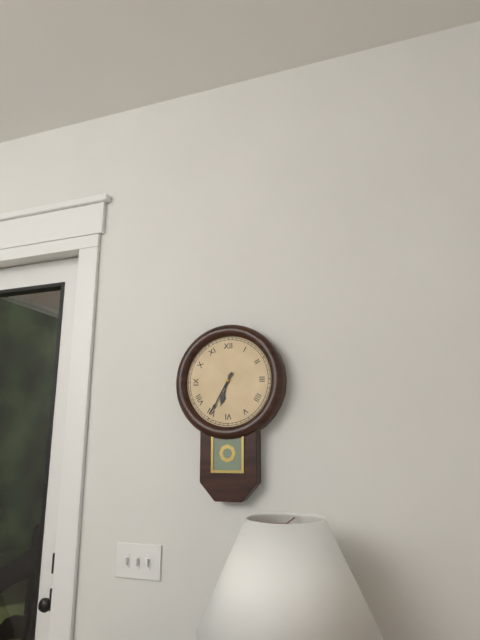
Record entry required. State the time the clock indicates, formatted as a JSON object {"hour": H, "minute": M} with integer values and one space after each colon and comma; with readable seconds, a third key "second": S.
{"hour": 6, "minute": 35}
